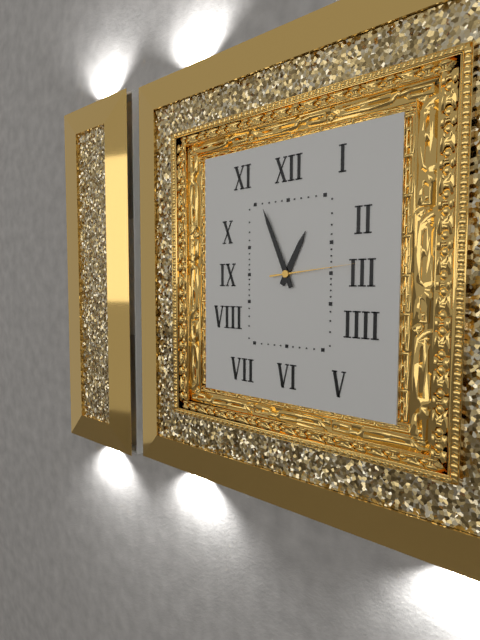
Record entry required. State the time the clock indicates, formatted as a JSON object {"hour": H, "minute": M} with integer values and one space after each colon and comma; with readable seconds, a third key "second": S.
{"hour": 12, "minute": 56, "second": 14}
